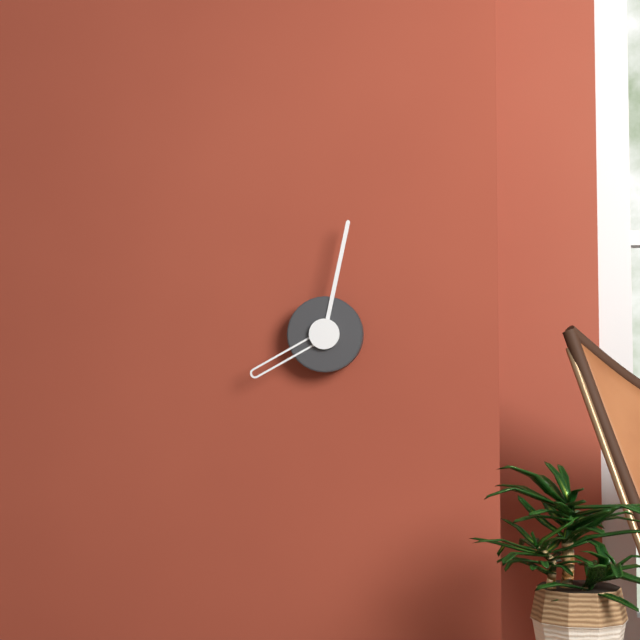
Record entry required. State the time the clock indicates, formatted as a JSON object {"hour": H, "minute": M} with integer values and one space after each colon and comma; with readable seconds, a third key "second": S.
{"hour": 8, "minute": 2}
